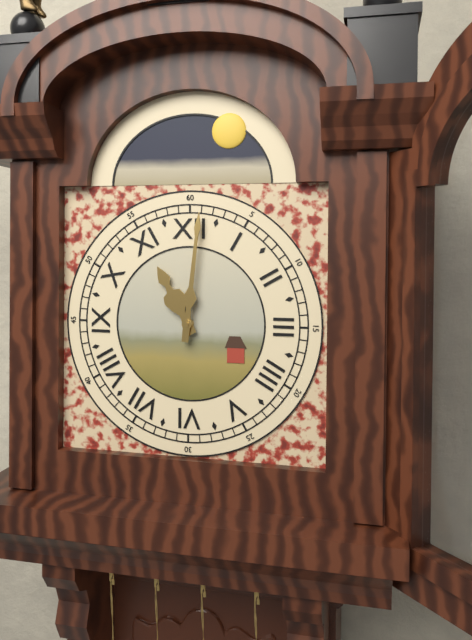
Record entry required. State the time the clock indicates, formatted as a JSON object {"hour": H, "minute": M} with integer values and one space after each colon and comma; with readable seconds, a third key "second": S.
{"hour": 11, "minute": 1}
